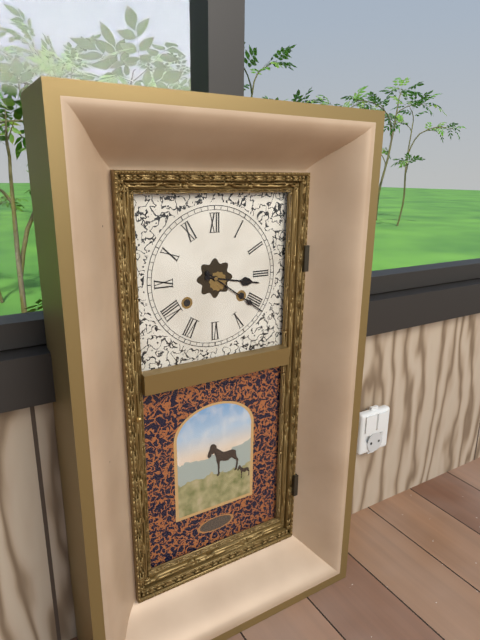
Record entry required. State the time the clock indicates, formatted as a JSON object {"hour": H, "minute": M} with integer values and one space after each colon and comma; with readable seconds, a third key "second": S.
{"hour": 3, "minute": 21}
